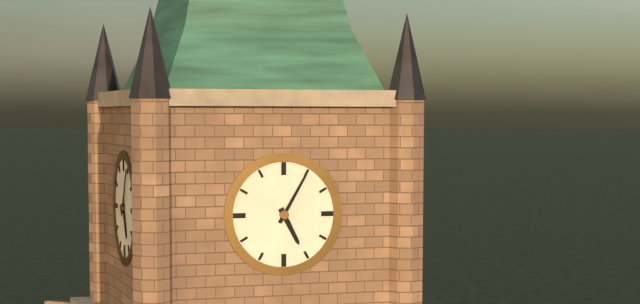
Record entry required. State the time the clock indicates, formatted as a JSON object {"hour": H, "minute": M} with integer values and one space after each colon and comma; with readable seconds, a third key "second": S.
{"hour": 5, "minute": 5}
